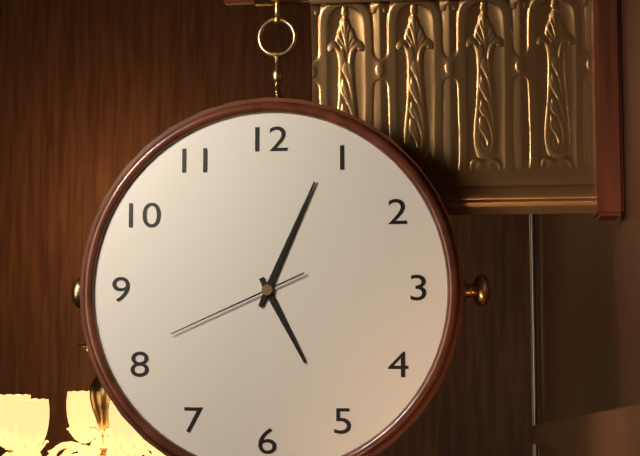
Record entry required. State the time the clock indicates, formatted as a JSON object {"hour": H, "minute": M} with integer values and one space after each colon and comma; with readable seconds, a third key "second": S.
{"hour": 5, "minute": 4, "second": 41}
